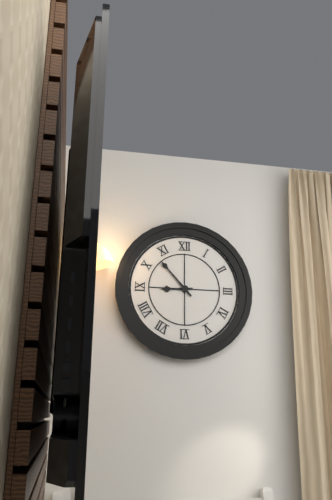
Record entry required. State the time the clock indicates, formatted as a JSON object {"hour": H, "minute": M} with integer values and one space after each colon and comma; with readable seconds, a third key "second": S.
{"hour": 8, "minute": 53}
